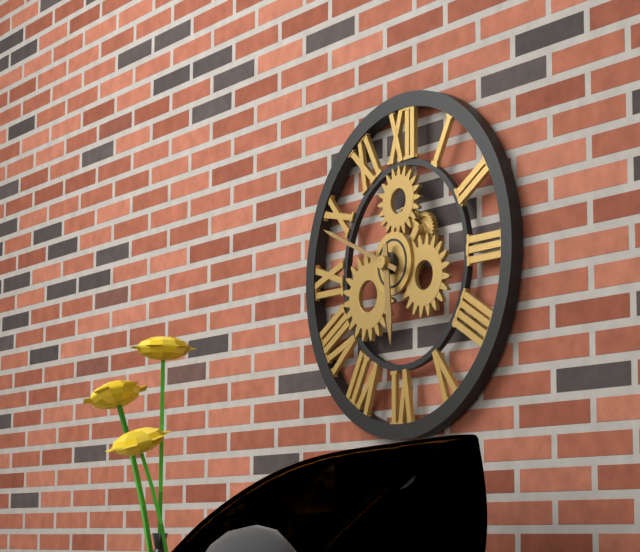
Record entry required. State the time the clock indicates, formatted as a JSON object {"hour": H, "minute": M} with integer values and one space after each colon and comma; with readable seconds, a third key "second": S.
{"hour": 5, "minute": 49}
